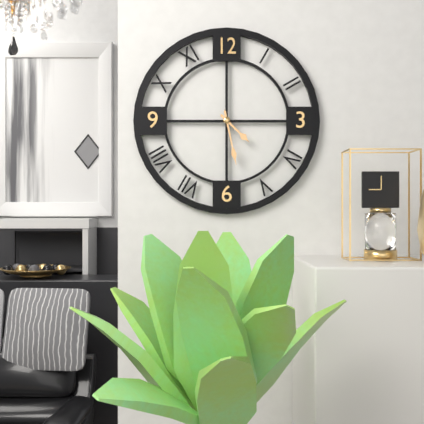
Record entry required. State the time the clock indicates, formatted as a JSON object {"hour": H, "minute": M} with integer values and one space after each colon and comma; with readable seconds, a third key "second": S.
{"hour": 4, "minute": 28}
